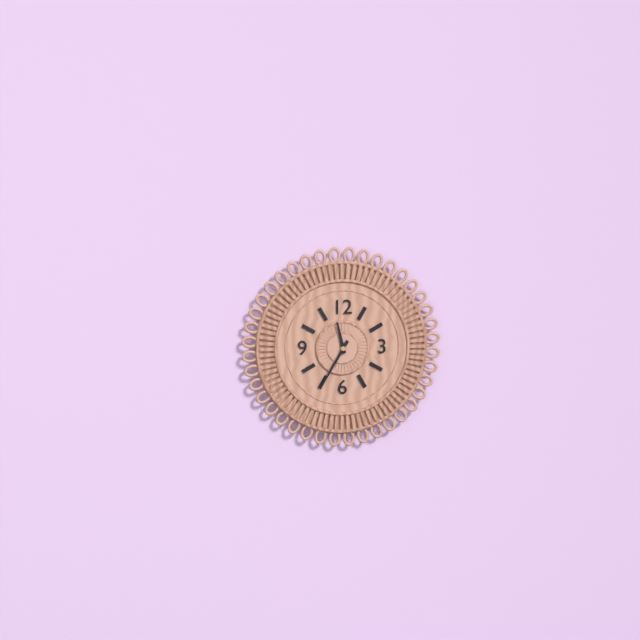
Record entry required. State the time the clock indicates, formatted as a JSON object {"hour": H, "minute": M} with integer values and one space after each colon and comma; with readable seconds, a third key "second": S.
{"hour": 11, "minute": 35}
